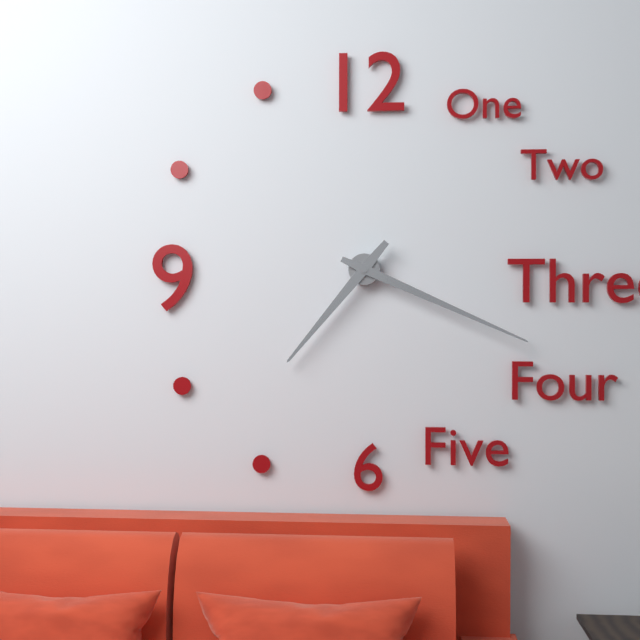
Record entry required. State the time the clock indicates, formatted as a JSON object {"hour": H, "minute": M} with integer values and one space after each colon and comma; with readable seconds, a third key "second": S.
{"hour": 7, "minute": 19}
